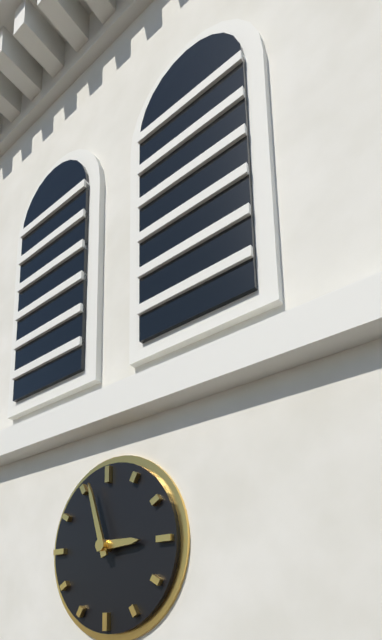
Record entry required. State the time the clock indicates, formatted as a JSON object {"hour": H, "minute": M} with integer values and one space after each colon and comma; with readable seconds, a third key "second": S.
{"hour": 2, "minute": 57}
